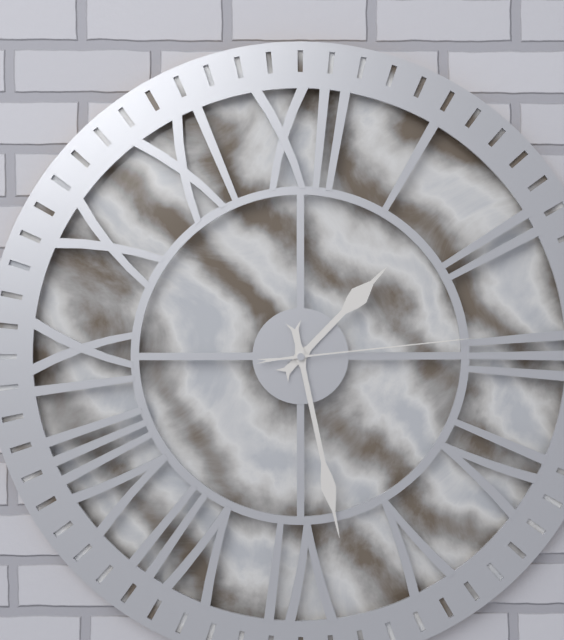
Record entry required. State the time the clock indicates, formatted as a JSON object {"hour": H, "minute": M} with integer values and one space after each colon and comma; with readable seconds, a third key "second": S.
{"hour": 1, "minute": 28, "second": 14}
